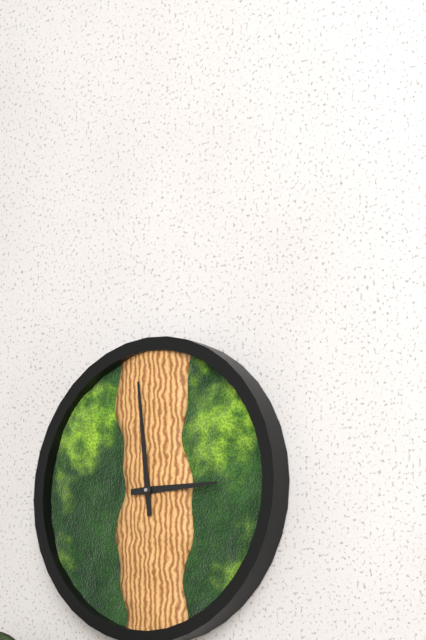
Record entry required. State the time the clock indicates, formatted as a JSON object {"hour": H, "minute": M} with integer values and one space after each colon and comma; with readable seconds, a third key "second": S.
{"hour": 2, "minute": 59}
